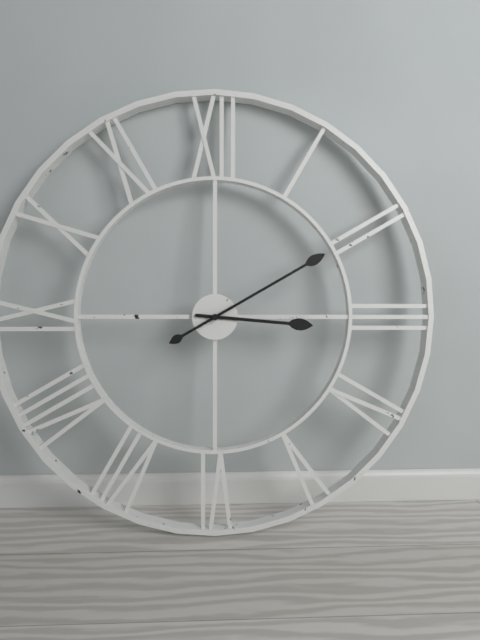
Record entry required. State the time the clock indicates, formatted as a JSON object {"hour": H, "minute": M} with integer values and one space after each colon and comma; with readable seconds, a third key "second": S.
{"hour": 3, "minute": 10}
